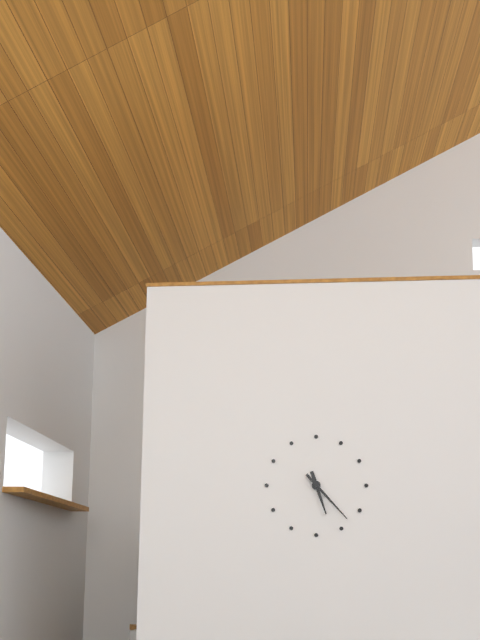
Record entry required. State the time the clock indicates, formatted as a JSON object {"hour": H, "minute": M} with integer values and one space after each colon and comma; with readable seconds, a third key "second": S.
{"hour": 5, "minute": 23}
